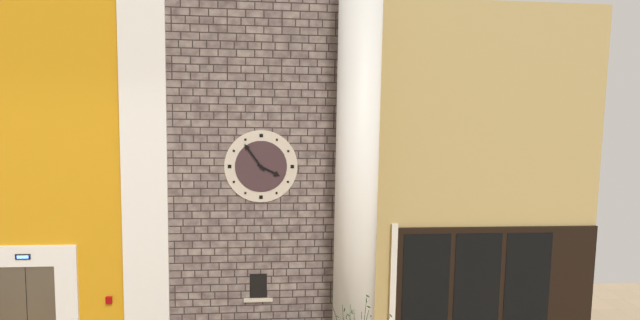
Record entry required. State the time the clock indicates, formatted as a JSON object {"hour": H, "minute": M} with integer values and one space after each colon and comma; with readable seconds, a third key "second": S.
{"hour": 3, "minute": 54}
